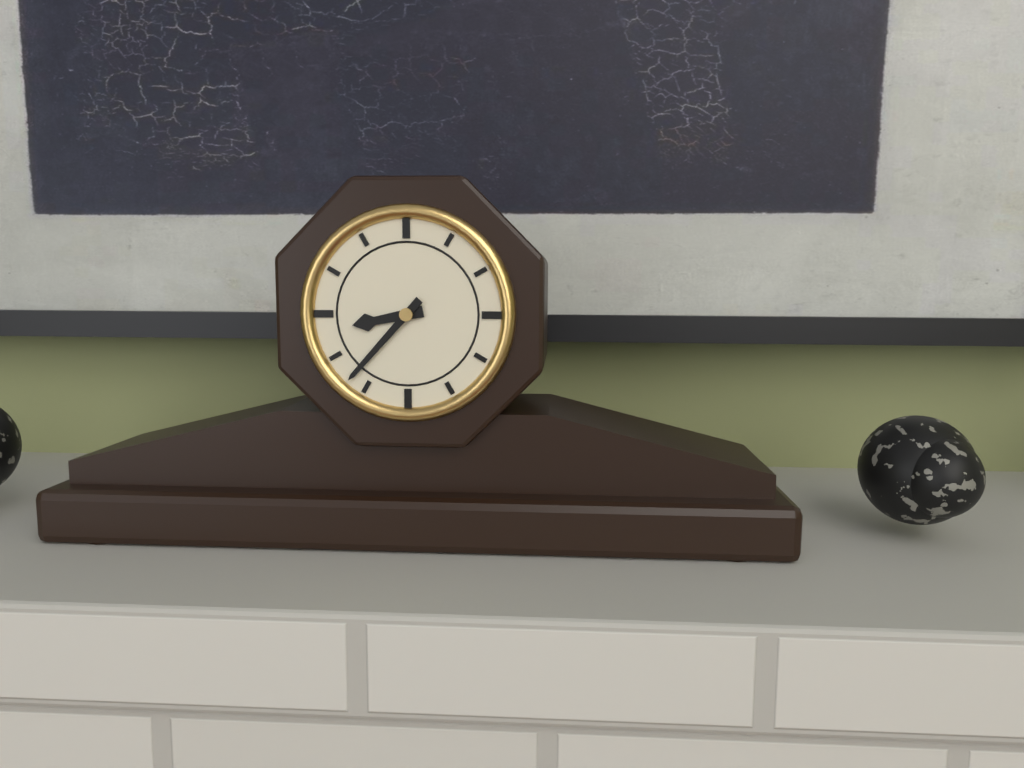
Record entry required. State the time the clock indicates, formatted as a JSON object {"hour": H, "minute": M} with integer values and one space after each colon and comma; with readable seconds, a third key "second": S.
{"hour": 8, "minute": 37}
